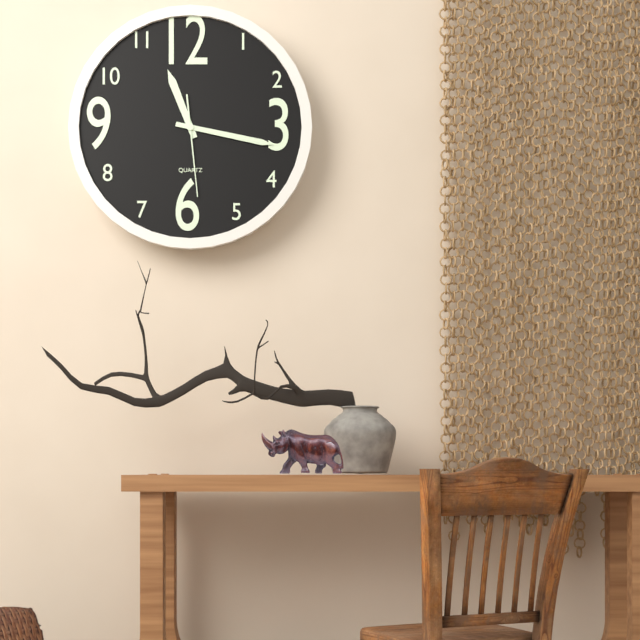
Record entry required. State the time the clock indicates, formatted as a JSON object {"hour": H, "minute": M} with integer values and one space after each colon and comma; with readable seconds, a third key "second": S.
{"hour": 11, "minute": 17, "second": 29}
